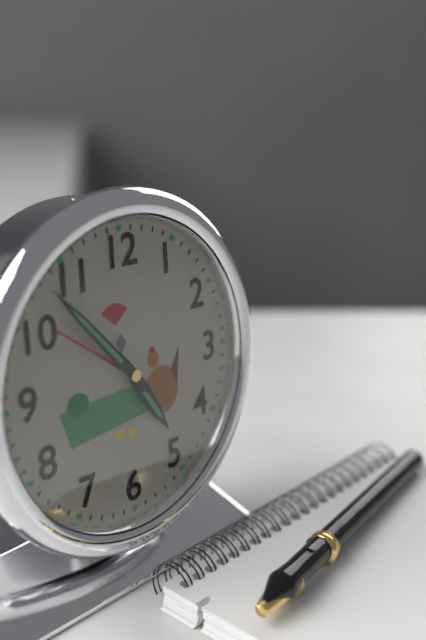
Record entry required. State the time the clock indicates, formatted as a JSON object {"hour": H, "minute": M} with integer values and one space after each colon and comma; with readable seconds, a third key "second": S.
{"hour": 4, "minute": 53}
